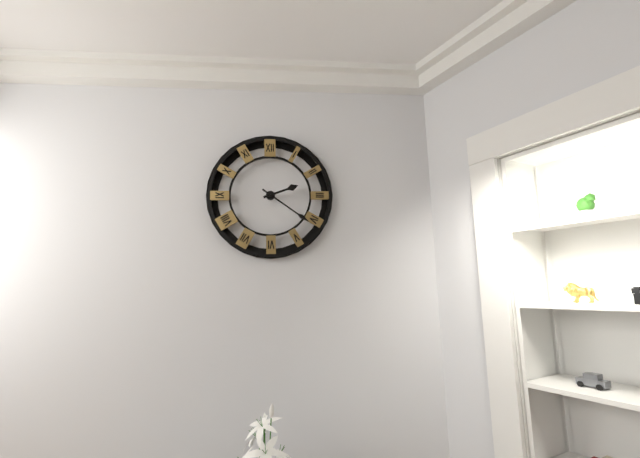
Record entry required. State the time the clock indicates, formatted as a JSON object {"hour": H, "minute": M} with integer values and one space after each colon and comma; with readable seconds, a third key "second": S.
{"hour": 2, "minute": 21}
